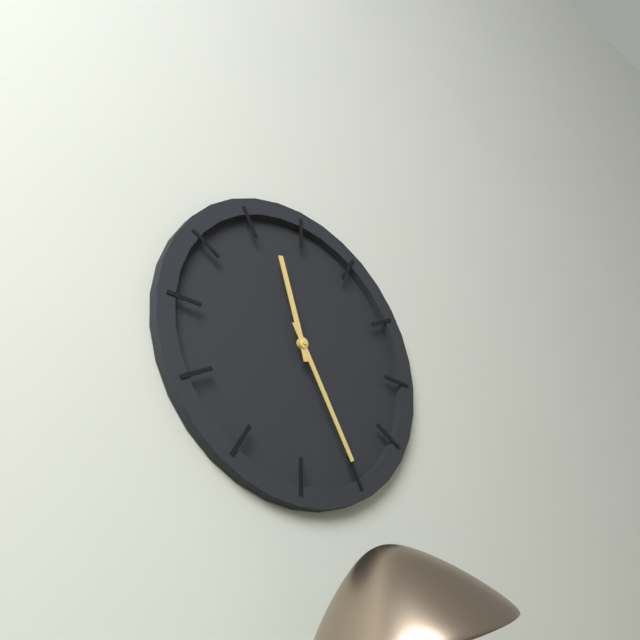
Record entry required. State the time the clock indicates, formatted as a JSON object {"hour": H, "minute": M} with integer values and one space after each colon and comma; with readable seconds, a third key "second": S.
{"hour": 11, "minute": 25}
